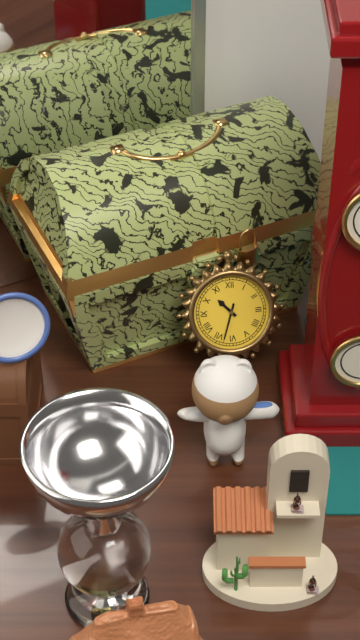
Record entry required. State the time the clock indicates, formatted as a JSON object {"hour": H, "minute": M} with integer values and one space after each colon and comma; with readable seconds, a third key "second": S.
{"hour": 10, "minute": 33}
